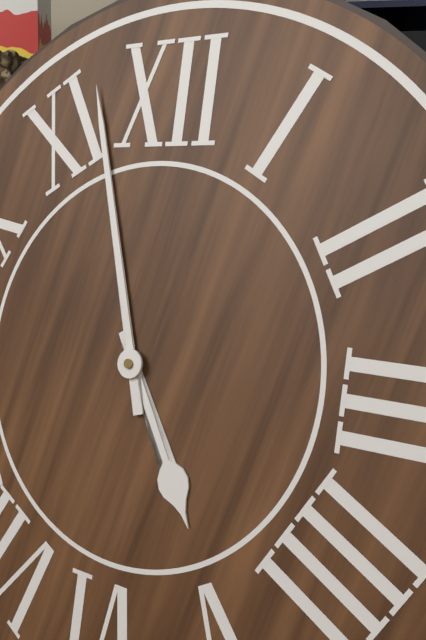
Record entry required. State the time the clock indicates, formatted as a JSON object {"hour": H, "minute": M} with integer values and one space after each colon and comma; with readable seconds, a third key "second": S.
{"hour": 4, "minute": 57}
